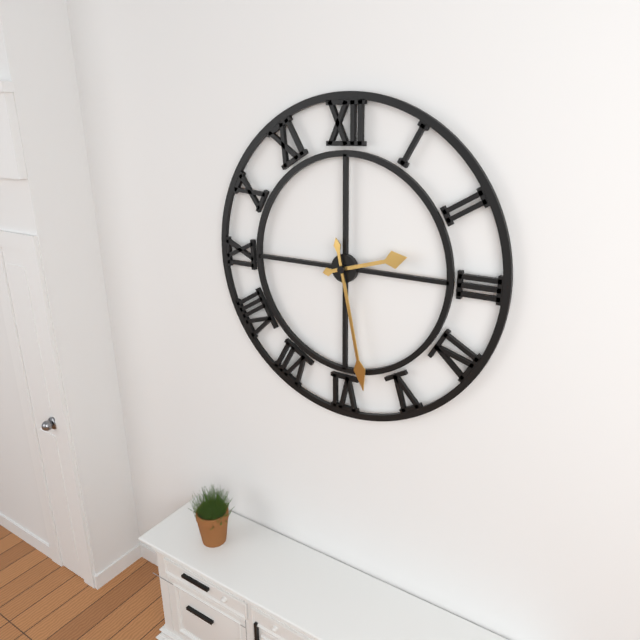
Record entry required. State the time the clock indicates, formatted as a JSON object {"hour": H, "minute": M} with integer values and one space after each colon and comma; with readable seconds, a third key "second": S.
{"hour": 2, "minute": 28}
